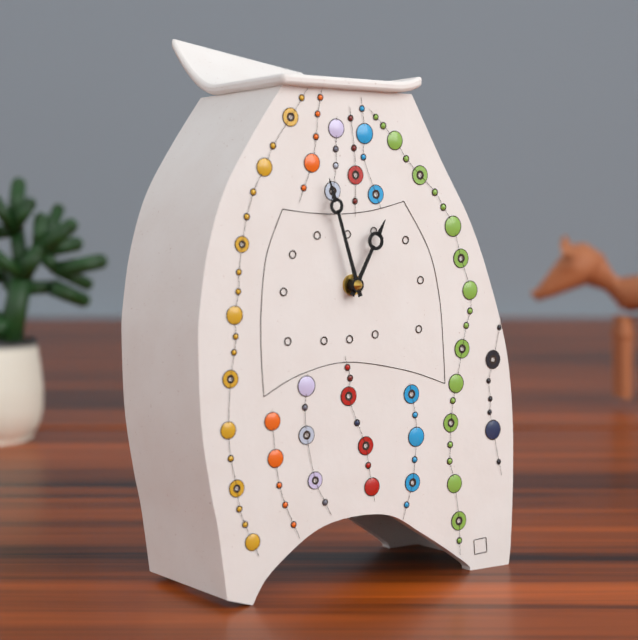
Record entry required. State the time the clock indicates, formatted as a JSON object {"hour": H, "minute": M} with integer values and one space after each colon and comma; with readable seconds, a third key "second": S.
{"hour": 12, "minute": 57}
